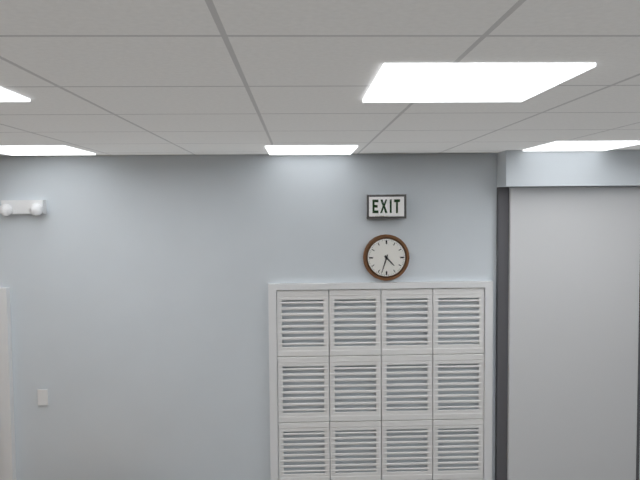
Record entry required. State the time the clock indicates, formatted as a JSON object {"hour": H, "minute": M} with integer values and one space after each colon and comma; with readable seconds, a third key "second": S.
{"hour": 4, "minute": 33}
